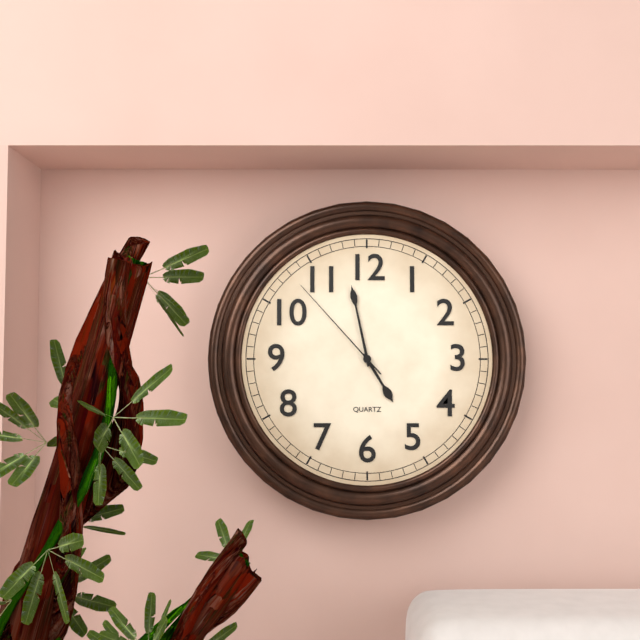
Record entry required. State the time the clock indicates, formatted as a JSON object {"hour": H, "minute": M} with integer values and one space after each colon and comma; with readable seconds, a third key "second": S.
{"hour": 4, "minute": 58, "second": 53}
